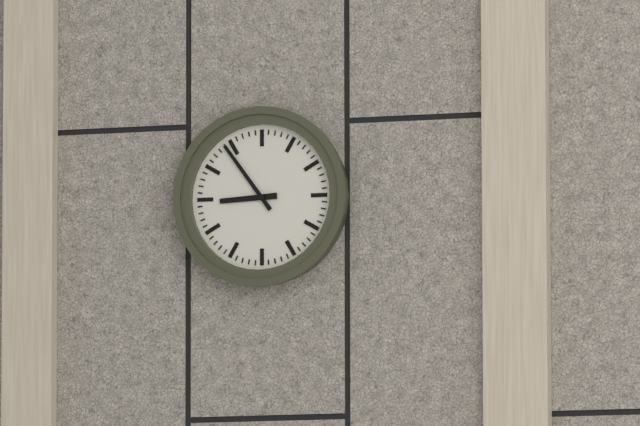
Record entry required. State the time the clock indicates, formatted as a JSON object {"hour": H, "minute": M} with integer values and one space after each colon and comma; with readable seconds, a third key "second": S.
{"hour": 8, "minute": 54}
